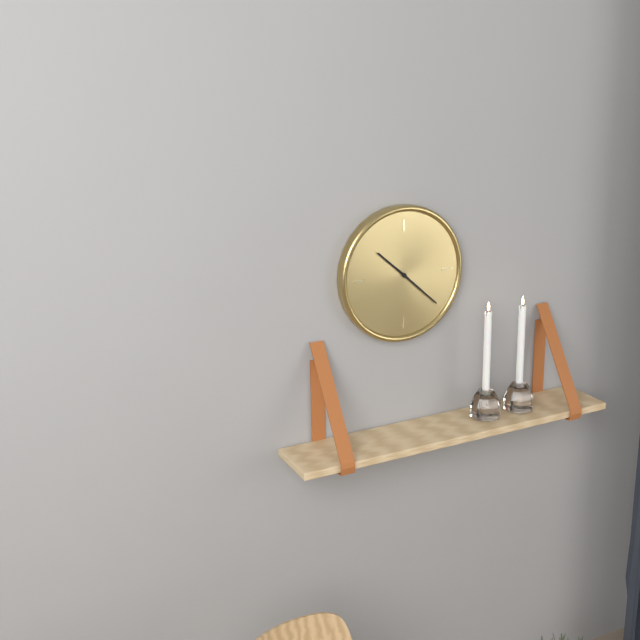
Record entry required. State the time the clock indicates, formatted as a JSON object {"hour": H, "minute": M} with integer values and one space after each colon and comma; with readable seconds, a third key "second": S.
{"hour": 10, "minute": 22}
